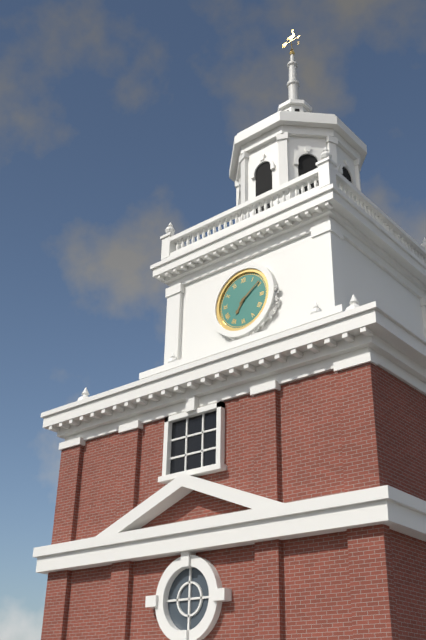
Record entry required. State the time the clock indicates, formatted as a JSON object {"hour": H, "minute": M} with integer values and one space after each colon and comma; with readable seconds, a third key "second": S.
{"hour": 7, "minute": 9}
